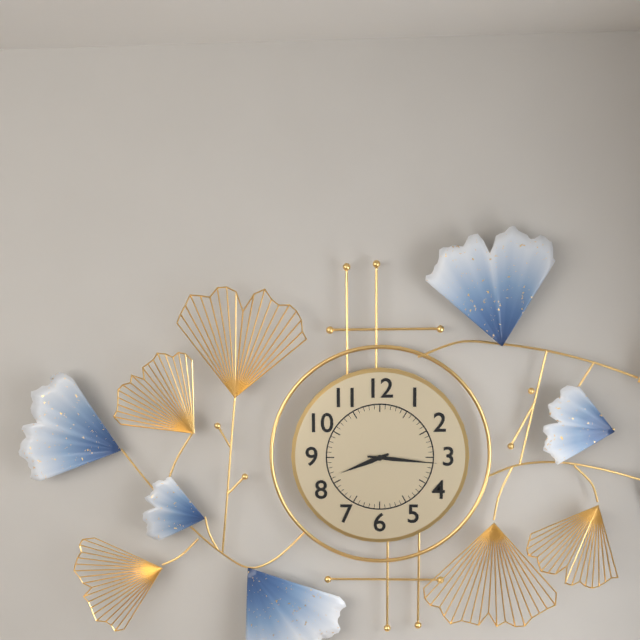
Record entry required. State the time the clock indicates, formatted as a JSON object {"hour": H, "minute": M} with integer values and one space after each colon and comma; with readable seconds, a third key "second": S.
{"hour": 8, "minute": 16}
